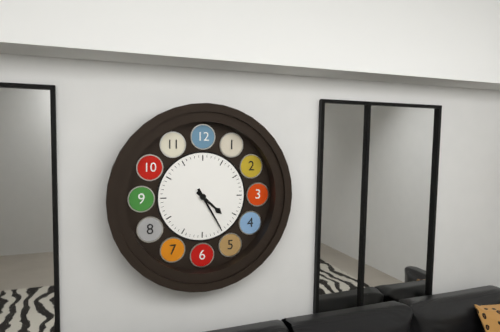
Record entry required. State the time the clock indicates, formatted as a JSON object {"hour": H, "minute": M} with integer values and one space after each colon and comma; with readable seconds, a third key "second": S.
{"hour": 4, "minute": 25}
